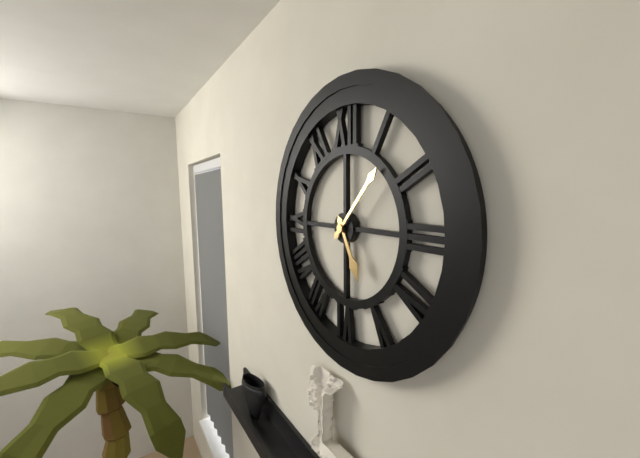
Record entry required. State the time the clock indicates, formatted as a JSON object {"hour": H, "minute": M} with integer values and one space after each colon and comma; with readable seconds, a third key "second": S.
{"hour": 5, "minute": 7}
